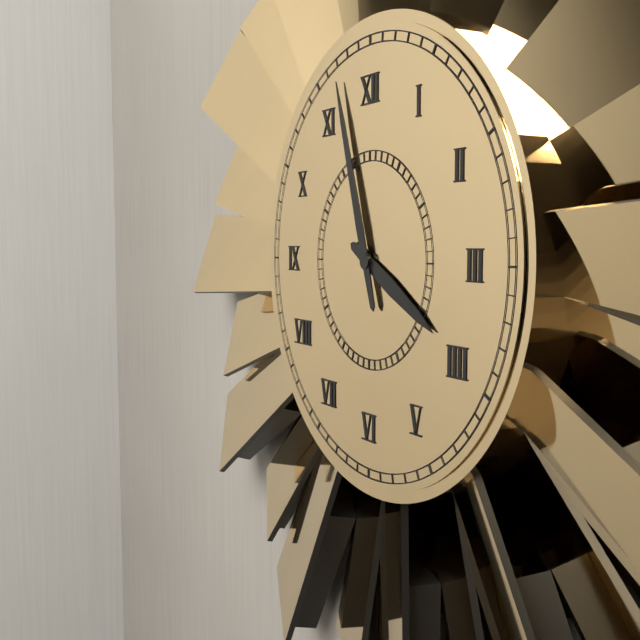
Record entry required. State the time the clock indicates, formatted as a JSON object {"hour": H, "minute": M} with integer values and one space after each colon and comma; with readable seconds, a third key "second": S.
{"hour": 3, "minute": 57}
